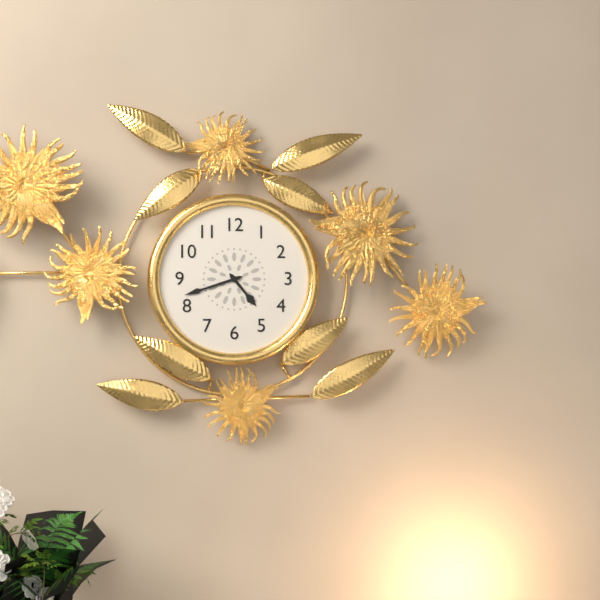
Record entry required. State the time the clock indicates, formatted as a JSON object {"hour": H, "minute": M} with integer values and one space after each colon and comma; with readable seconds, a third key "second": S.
{"hour": 4, "minute": 42}
